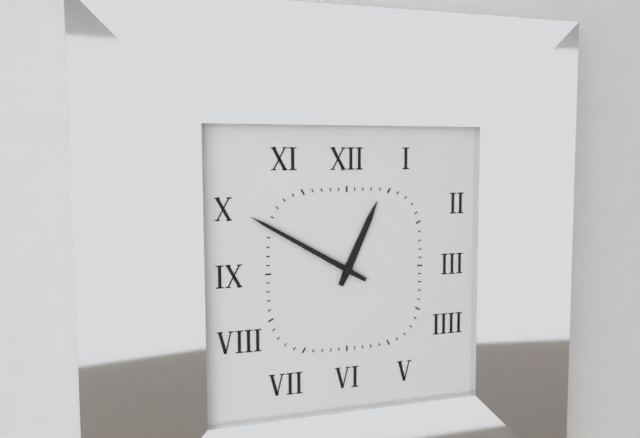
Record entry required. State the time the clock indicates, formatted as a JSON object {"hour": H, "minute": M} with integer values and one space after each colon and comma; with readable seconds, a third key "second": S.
{"hour": 12, "minute": 50}
